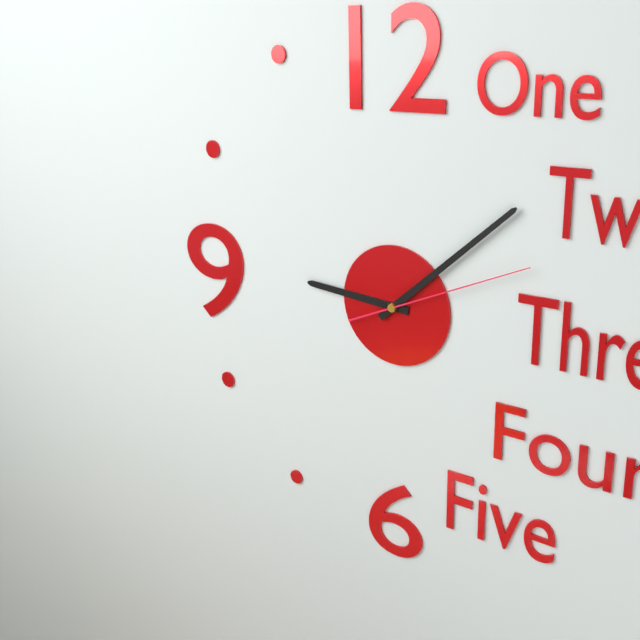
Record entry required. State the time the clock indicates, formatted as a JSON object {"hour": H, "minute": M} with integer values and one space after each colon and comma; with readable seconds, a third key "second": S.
{"hour": 9, "minute": 8, "second": 11}
